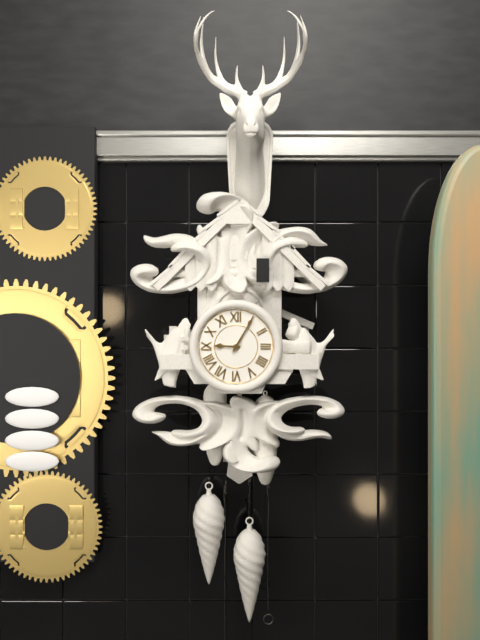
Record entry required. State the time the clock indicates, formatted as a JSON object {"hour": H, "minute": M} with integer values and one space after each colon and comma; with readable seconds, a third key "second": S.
{"hour": 9, "minute": 5}
